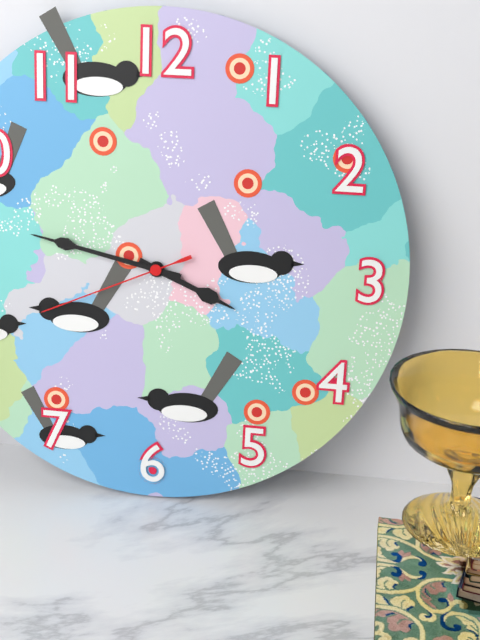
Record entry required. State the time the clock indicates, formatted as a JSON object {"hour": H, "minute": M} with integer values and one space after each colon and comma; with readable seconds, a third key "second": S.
{"hour": 3, "minute": 47, "second": 41}
